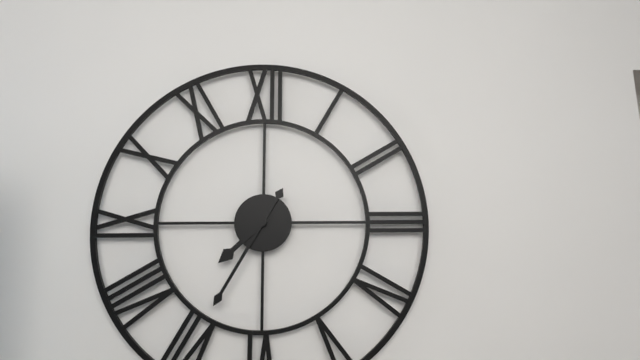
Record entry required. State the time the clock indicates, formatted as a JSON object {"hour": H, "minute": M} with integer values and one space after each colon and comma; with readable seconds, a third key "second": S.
{"hour": 7, "minute": 35}
